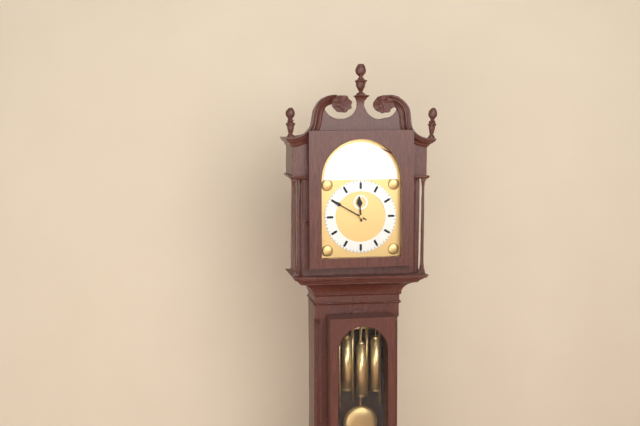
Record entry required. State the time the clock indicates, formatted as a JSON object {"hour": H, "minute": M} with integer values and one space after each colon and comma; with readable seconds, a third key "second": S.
{"hour": 11, "minute": 50}
